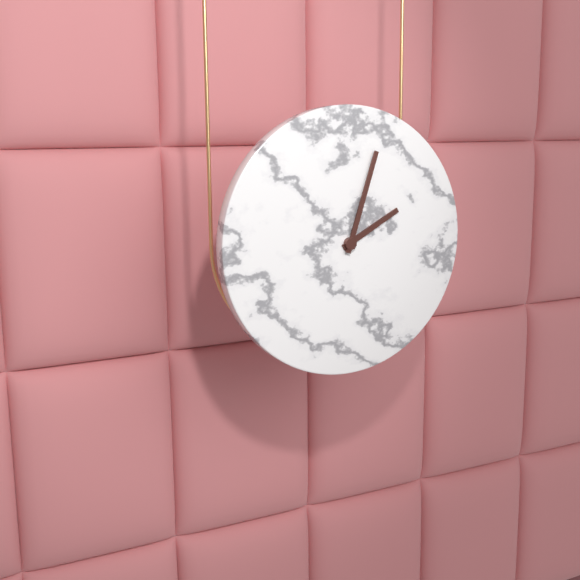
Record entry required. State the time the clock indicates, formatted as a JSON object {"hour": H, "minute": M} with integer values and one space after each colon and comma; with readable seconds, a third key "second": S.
{"hour": 2, "minute": 3}
